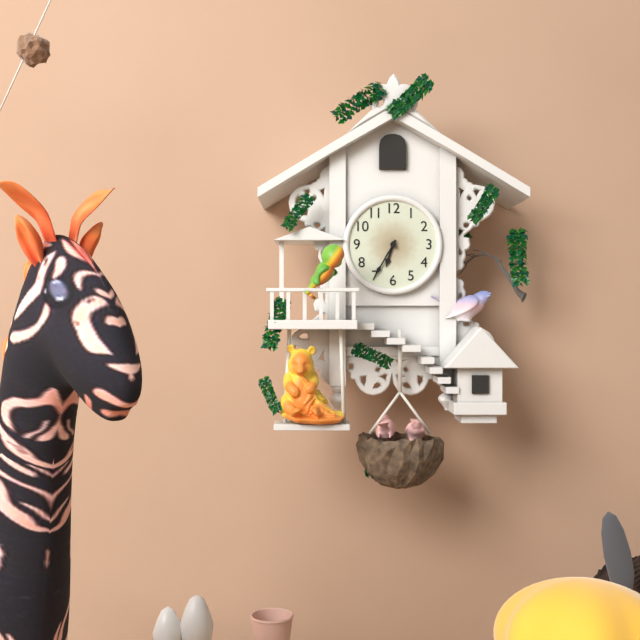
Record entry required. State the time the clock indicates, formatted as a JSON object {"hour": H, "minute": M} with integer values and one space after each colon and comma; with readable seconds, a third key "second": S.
{"hour": 6, "minute": 35}
